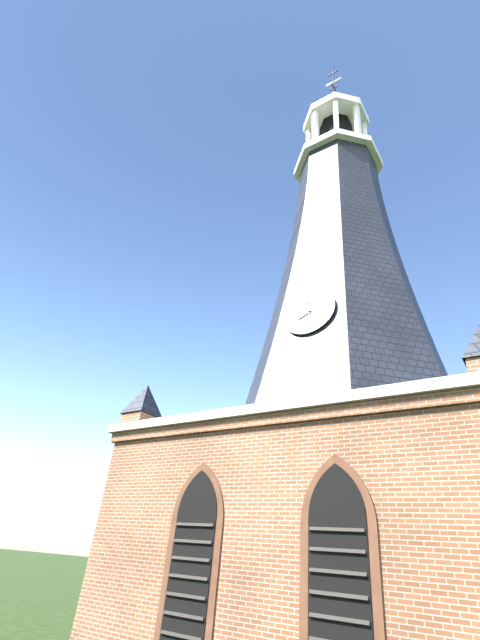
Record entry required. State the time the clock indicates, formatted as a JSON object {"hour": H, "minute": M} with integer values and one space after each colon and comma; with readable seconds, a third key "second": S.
{"hour": 7, "minute": 58}
